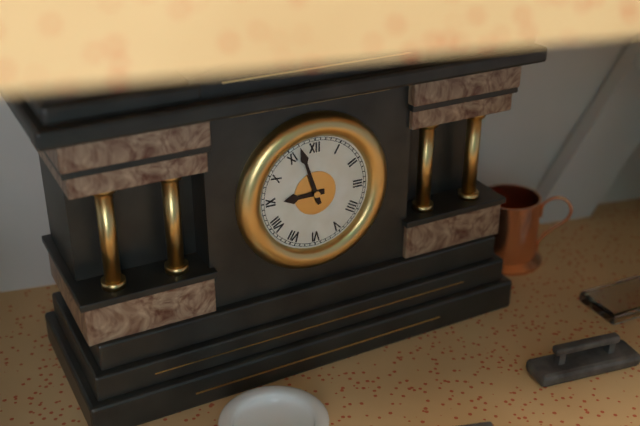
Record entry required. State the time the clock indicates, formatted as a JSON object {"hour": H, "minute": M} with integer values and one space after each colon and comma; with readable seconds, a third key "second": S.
{"hour": 8, "minute": 57}
